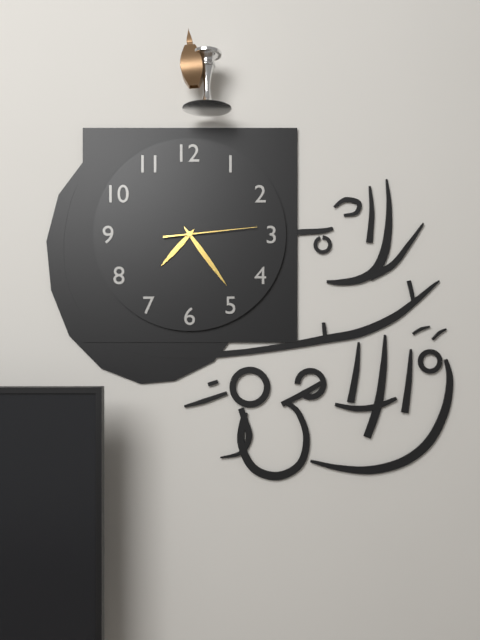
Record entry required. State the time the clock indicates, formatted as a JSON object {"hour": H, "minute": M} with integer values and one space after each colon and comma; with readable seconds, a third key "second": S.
{"hour": 7, "minute": 24, "second": 14}
